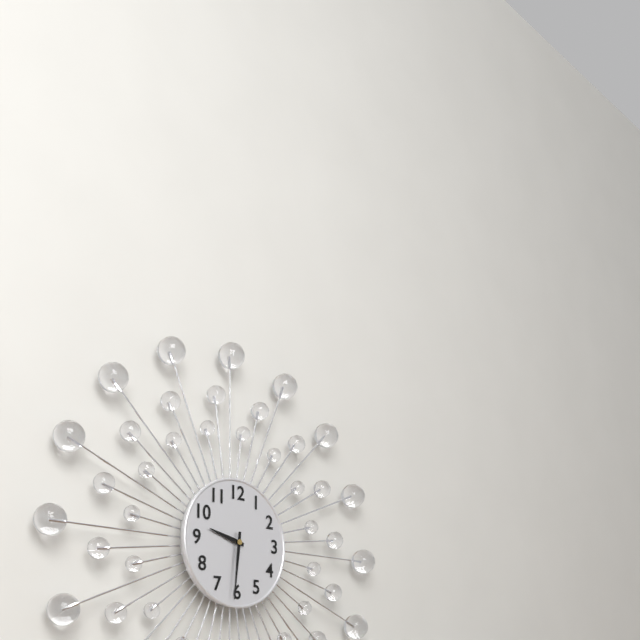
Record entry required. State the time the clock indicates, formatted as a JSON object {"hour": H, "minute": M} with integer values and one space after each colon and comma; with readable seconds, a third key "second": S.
{"hour": 9, "minute": 31}
